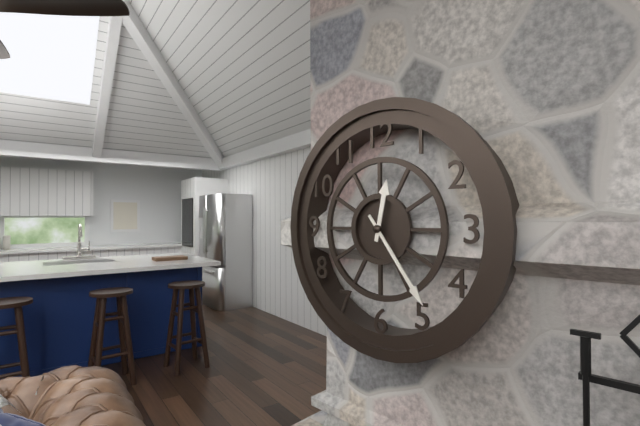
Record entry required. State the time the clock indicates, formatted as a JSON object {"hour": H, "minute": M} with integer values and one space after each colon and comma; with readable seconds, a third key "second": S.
{"hour": 12, "minute": 24}
